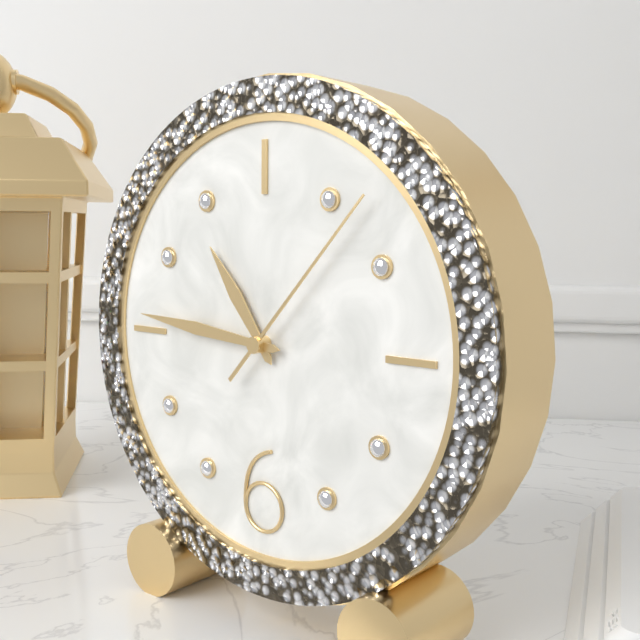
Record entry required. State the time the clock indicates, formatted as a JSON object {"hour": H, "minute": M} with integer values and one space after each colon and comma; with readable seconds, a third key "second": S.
{"hour": 10, "minute": 46, "second": 7}
